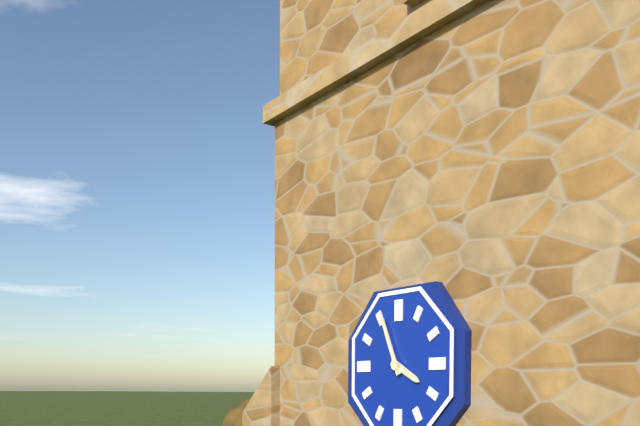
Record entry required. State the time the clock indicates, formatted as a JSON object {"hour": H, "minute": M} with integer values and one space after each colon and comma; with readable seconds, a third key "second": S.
{"hour": 3, "minute": 56}
